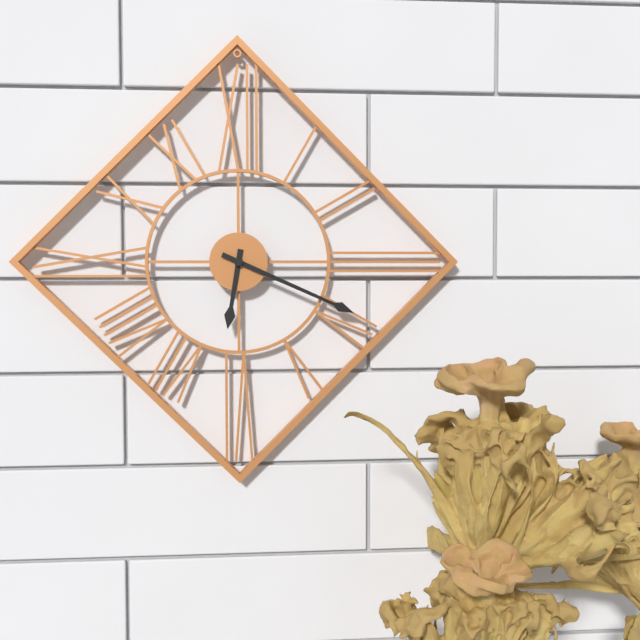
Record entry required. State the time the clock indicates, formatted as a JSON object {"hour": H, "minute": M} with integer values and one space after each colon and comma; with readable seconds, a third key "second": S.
{"hour": 6, "minute": 19}
